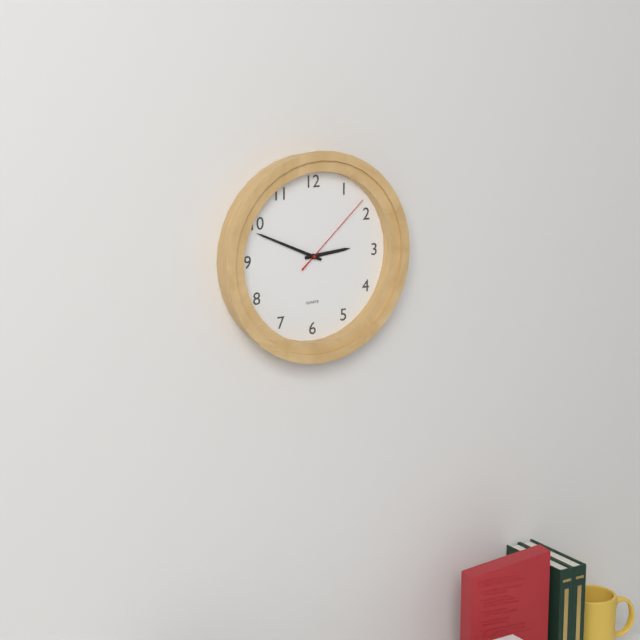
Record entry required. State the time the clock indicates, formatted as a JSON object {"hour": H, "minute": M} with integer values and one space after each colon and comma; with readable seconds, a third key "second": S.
{"hour": 2, "minute": 49, "second": 8}
